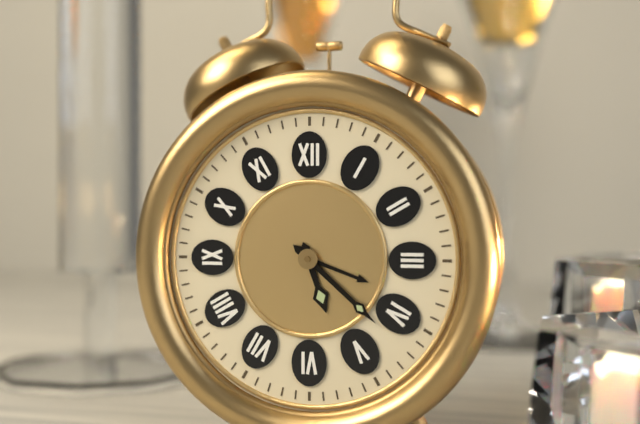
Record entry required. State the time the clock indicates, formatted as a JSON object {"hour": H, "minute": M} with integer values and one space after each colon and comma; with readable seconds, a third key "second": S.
{"hour": 5, "minute": 22}
